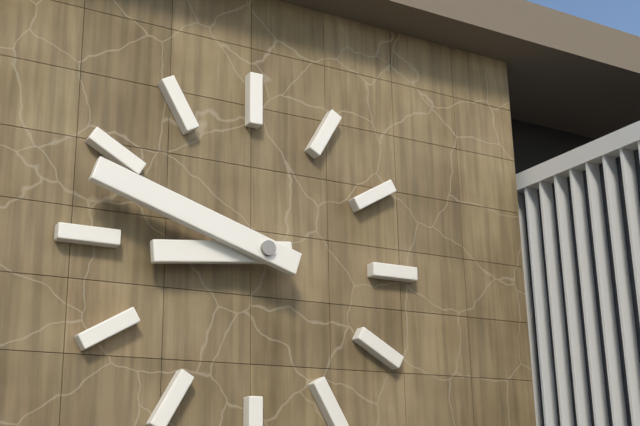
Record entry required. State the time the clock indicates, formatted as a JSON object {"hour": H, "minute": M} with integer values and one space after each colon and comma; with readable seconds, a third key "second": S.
{"hour": 8, "minute": 48}
